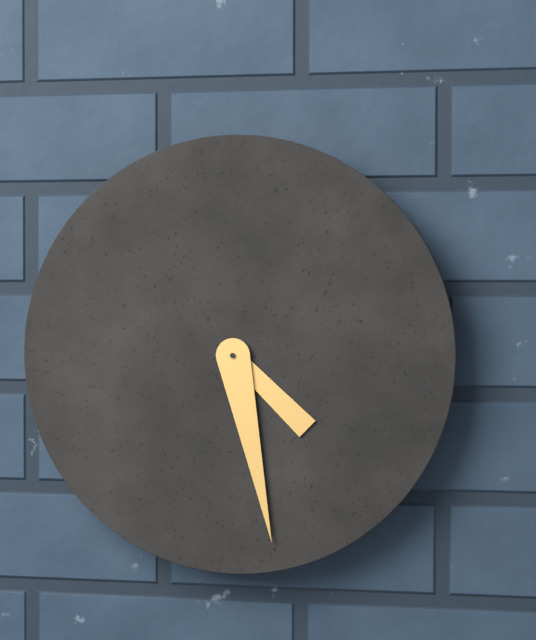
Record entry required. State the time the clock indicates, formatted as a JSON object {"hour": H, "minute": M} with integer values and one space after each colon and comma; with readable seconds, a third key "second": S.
{"hour": 4, "minute": 28}
